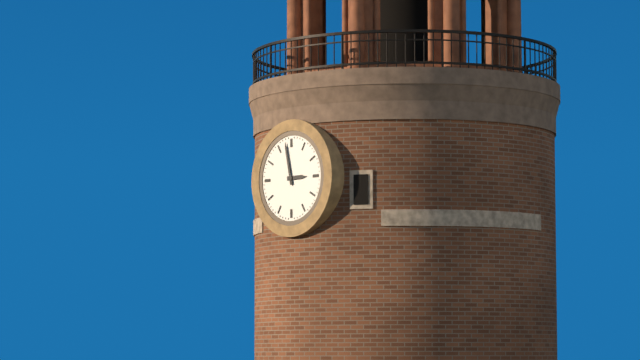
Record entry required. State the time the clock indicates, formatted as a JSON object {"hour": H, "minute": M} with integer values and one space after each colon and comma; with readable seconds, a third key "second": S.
{"hour": 2, "minute": 58}
